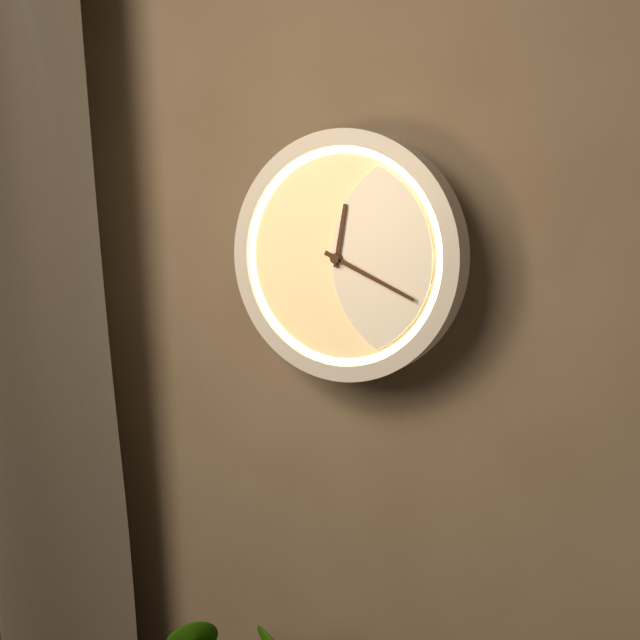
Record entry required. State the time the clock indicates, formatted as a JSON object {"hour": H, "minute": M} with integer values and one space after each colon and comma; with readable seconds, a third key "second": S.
{"hour": 12, "minute": 19}
